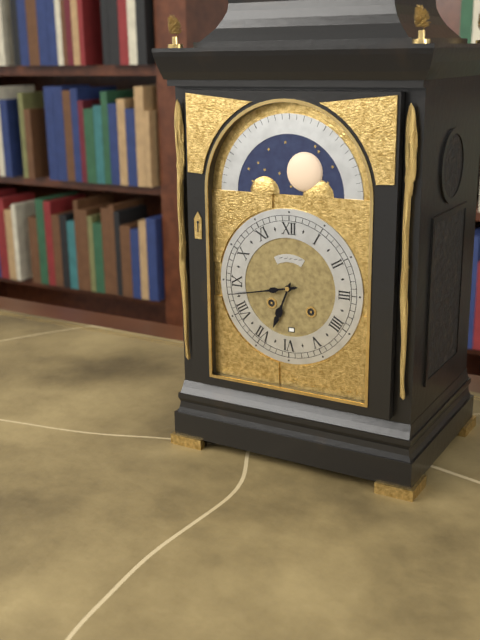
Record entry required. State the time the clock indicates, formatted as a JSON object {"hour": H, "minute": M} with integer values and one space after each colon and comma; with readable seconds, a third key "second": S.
{"hour": 6, "minute": 43}
